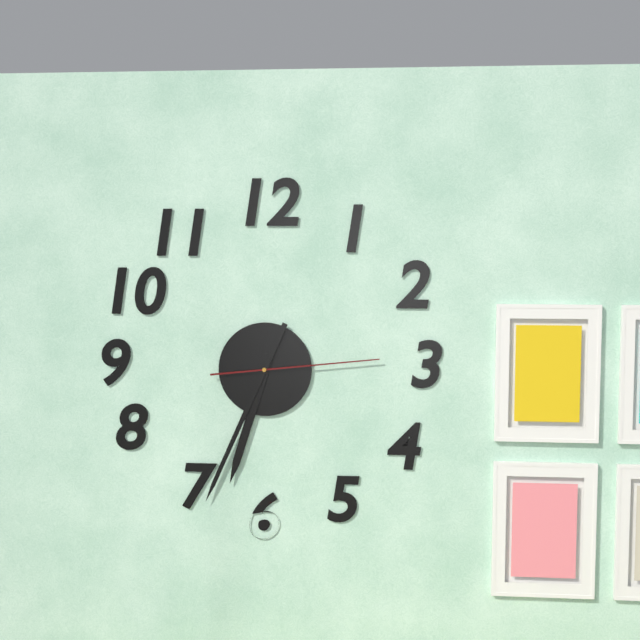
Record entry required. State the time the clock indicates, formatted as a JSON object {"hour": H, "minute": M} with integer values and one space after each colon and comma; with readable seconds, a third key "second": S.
{"hour": 6, "minute": 34, "second": 14}
